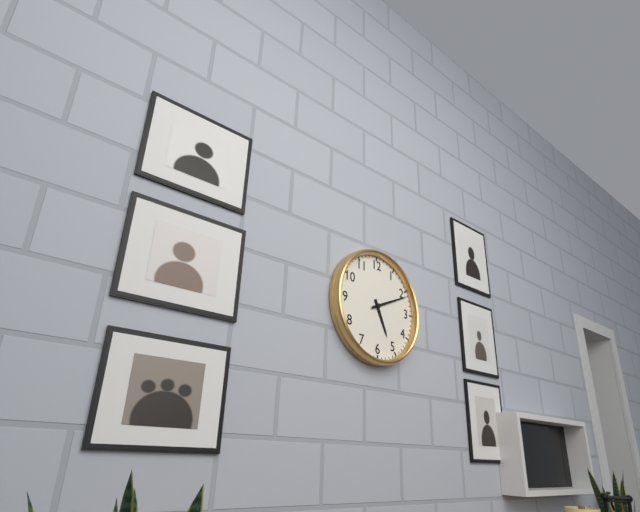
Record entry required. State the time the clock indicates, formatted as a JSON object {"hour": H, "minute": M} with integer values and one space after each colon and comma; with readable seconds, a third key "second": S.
{"hour": 5, "minute": 11}
